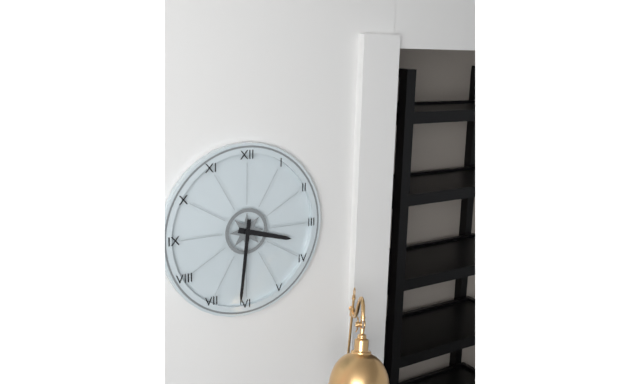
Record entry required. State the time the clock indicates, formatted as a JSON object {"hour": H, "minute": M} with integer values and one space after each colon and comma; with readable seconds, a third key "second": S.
{"hour": 3, "minute": 31}
